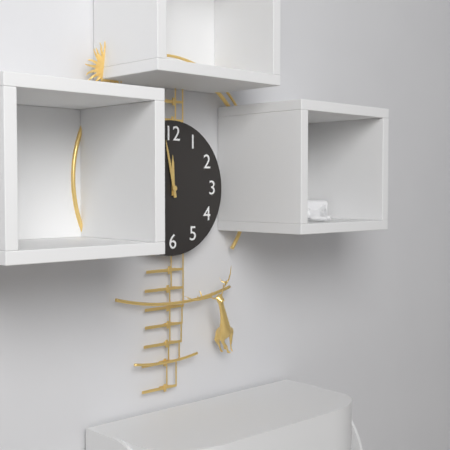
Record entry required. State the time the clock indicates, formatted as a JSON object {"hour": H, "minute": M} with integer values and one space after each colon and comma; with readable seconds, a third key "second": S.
{"hour": 11, "minute": 58}
